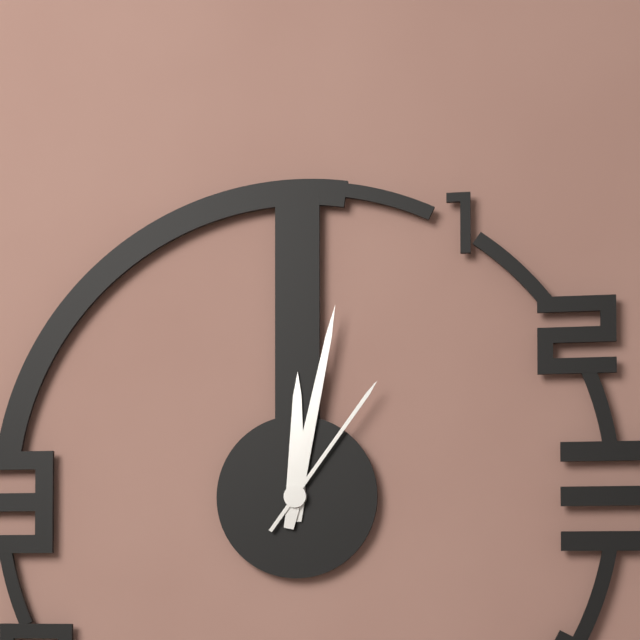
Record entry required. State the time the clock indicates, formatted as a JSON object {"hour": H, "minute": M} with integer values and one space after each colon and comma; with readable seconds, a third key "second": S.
{"hour": 12, "minute": 2, "second": 6}
